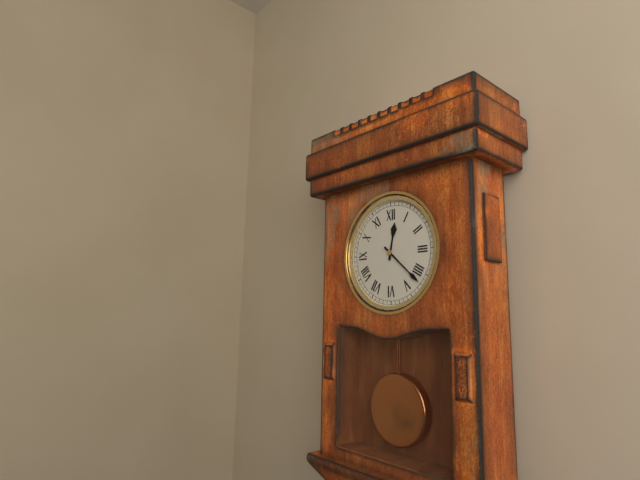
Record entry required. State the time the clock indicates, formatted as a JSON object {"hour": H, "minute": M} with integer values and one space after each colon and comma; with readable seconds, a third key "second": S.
{"hour": 12, "minute": 22}
